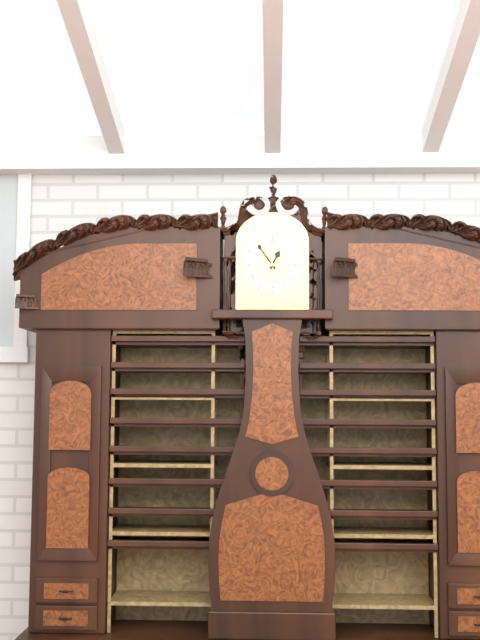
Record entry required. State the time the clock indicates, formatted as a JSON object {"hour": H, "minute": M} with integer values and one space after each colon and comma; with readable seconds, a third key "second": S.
{"hour": 12, "minute": 54}
